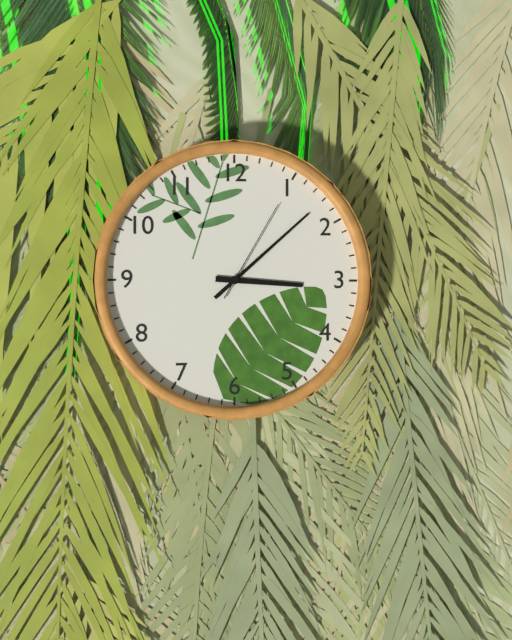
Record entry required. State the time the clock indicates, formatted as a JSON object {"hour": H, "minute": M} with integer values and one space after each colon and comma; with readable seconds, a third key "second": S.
{"hour": 3, "minute": 8, "second": 5}
